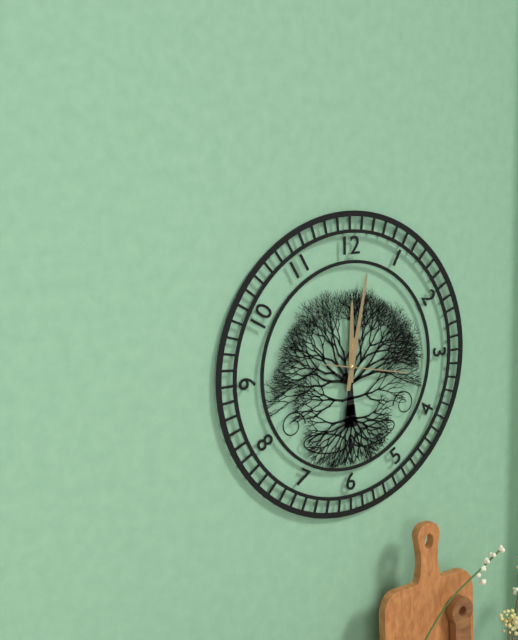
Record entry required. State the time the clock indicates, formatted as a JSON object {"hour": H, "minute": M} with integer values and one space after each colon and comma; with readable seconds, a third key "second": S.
{"hour": 12, "minute": 2, "second": 17}
